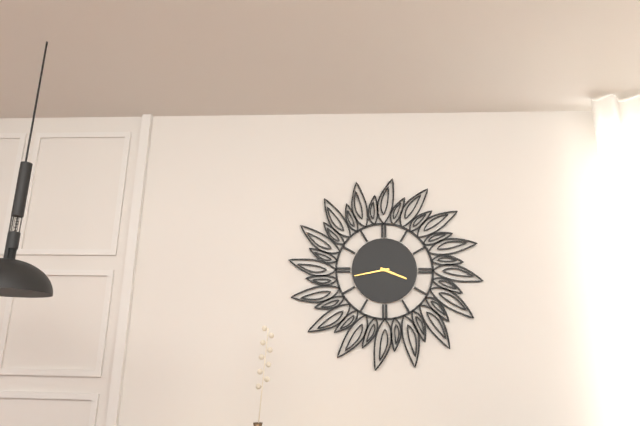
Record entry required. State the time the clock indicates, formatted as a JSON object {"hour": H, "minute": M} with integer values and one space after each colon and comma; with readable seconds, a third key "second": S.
{"hour": 3, "minute": 43}
